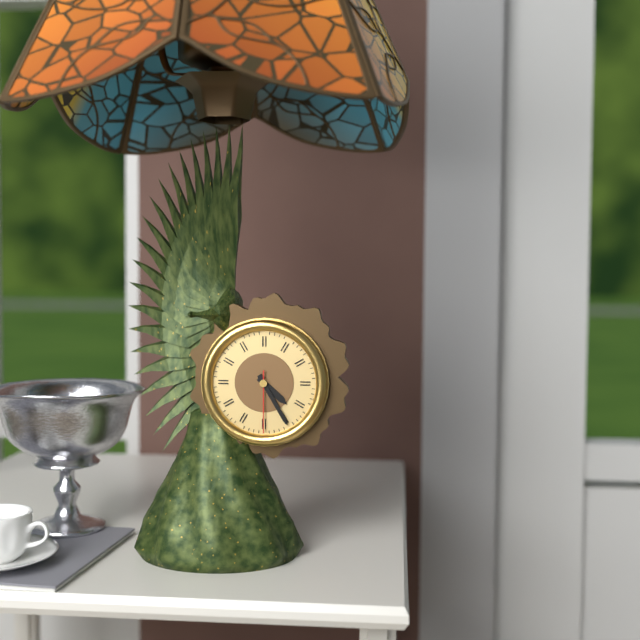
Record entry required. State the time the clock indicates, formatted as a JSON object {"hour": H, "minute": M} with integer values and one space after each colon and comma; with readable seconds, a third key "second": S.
{"hour": 4, "minute": 25, "second": 30}
